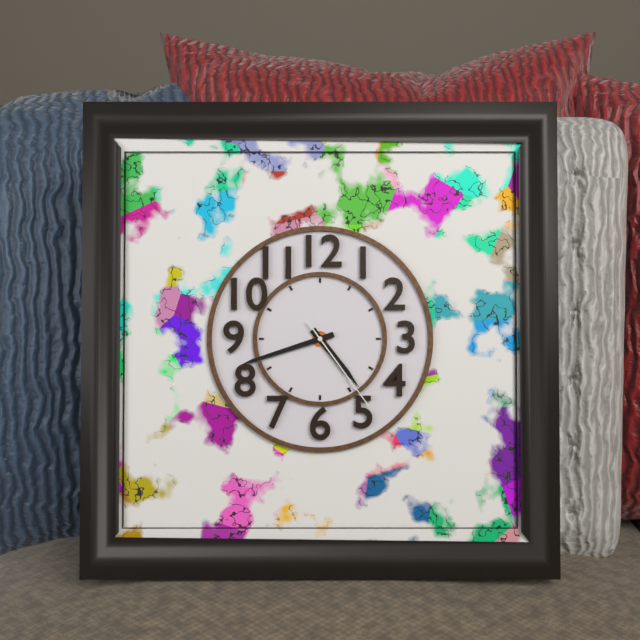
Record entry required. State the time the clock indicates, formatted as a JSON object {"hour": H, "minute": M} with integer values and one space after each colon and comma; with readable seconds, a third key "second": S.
{"hour": 4, "minute": 42, "second": 24}
